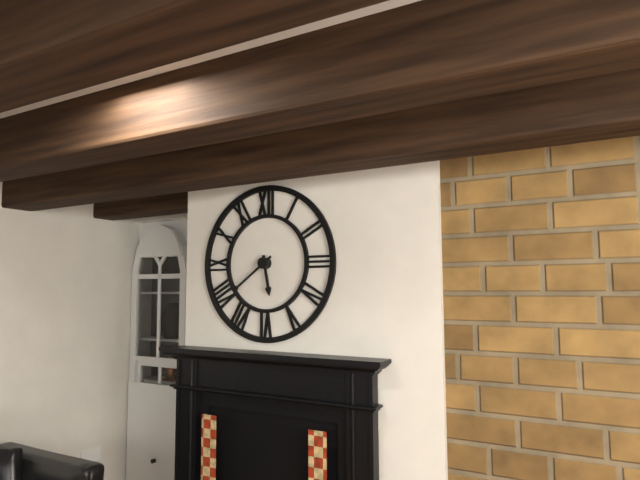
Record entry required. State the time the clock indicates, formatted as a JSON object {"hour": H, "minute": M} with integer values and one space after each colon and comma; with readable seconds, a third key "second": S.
{"hour": 5, "minute": 39}
